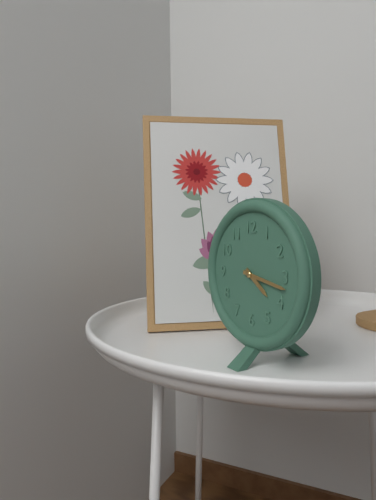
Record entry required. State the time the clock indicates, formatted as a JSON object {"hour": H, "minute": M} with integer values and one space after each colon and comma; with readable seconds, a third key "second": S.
{"hour": 4, "minute": 17}
